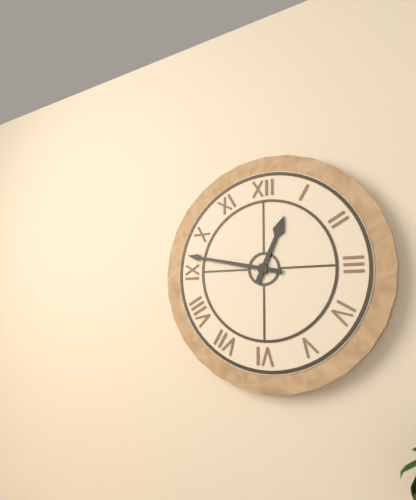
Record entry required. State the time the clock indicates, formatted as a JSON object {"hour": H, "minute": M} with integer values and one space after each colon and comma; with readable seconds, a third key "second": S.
{"hour": 12, "minute": 47}
